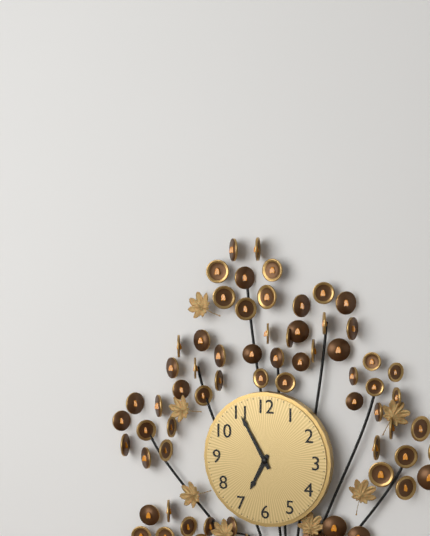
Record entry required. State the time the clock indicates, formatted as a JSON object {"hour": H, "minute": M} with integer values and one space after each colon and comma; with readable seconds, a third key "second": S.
{"hour": 6, "minute": 55}
